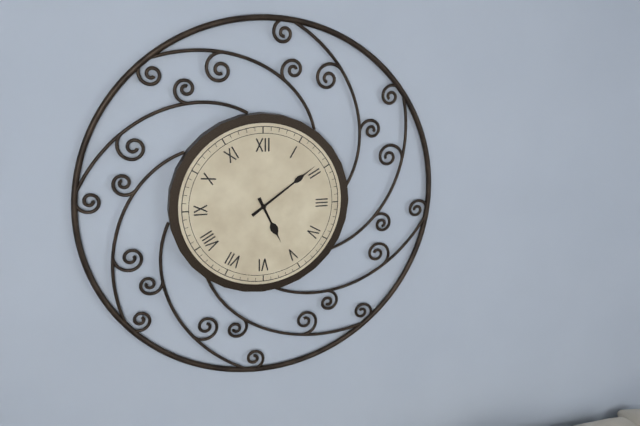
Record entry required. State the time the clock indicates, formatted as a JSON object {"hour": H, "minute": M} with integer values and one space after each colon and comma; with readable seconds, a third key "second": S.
{"hour": 5, "minute": 9}
